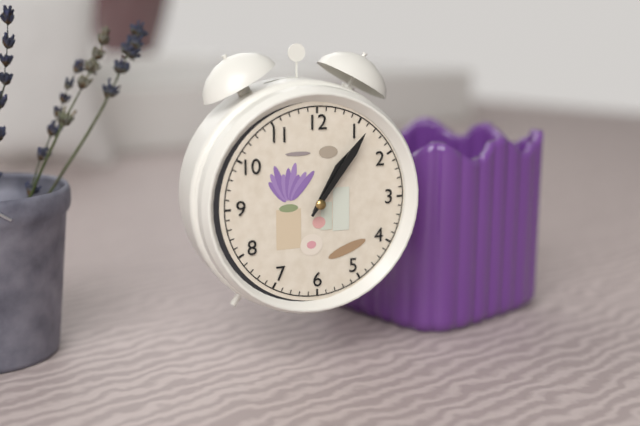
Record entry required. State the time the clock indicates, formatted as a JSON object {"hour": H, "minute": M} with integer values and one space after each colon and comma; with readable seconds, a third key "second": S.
{"hour": 1, "minute": 6}
